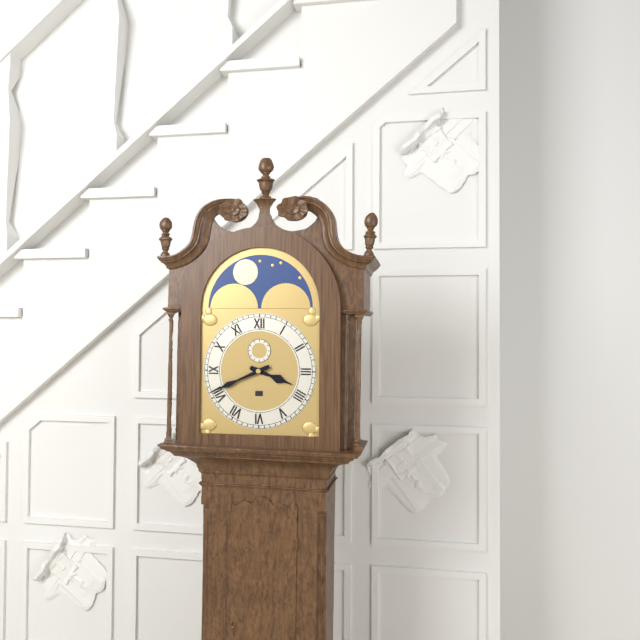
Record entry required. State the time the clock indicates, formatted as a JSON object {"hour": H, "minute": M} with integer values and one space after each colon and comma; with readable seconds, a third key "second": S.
{"hour": 3, "minute": 41}
